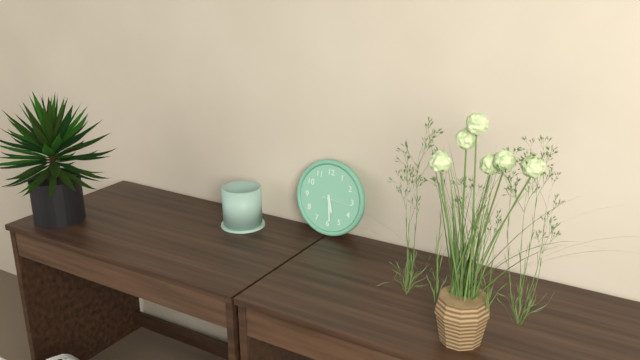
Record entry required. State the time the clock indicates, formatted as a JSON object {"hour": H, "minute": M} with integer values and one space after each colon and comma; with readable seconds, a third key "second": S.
{"hour": 5, "minute": 29}
